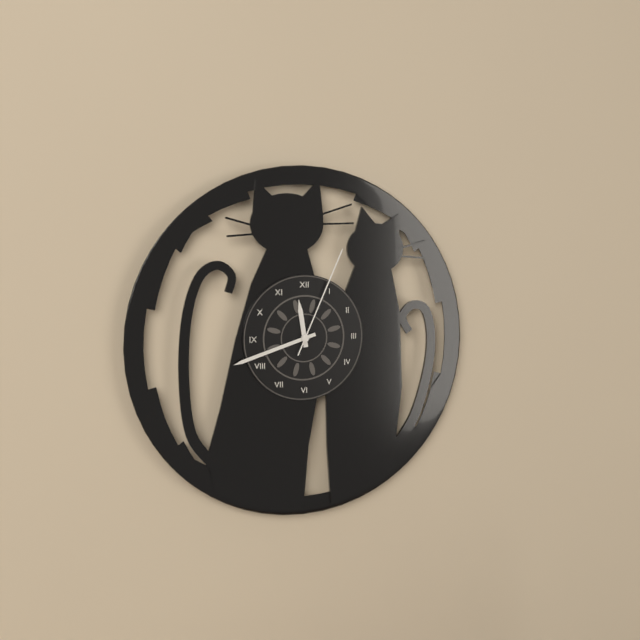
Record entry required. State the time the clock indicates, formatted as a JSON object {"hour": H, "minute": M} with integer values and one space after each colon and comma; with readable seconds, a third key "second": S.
{"hour": 11, "minute": 42, "second": 4}
